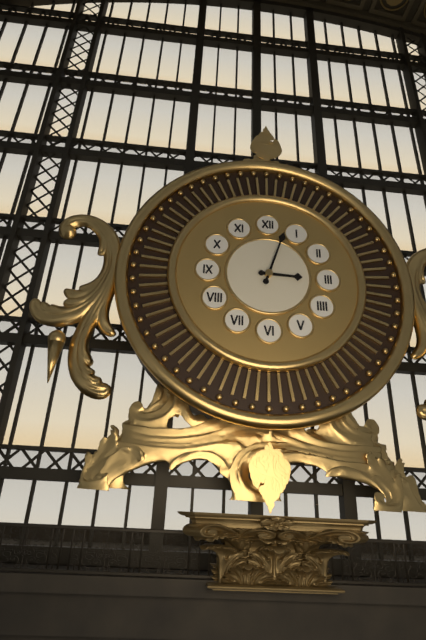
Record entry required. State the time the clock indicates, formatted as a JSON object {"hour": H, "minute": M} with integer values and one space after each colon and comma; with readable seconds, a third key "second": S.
{"hour": 3, "minute": 3}
